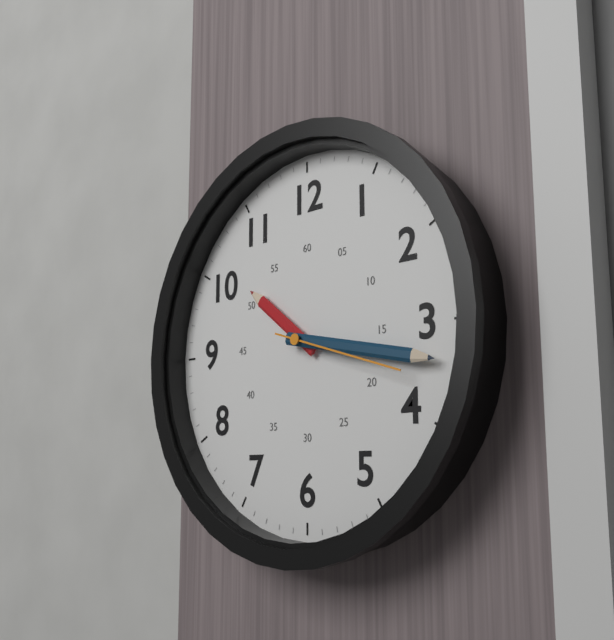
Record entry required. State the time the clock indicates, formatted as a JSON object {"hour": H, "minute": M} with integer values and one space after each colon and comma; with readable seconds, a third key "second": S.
{"hour": 10, "minute": 17, "second": 18}
